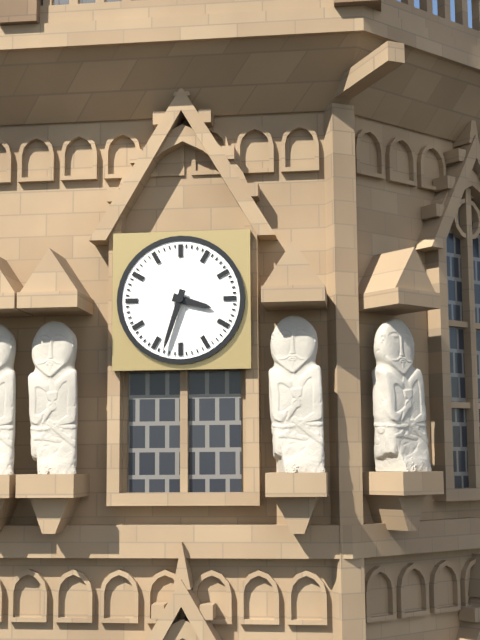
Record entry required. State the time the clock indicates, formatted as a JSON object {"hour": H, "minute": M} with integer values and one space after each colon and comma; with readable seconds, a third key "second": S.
{"hour": 3, "minute": 33}
